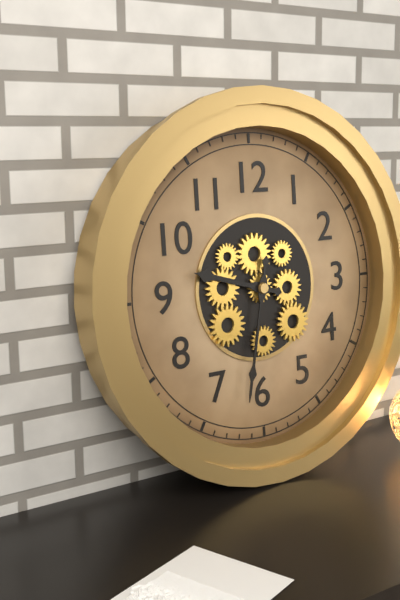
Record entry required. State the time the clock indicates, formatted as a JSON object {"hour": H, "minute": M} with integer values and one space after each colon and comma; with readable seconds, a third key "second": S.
{"hour": 9, "minute": 32}
